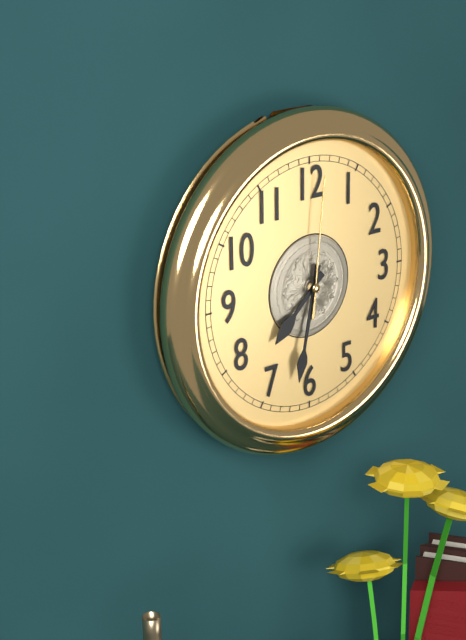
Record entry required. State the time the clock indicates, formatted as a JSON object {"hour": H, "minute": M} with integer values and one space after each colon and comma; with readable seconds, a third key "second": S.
{"hour": 7, "minute": 32, "second": 1}
